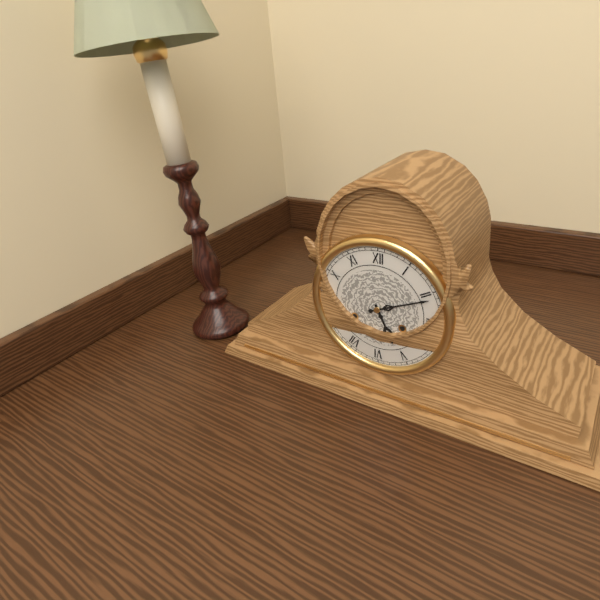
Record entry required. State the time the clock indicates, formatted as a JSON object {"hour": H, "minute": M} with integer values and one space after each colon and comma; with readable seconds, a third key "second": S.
{"hour": 5, "minute": 11}
